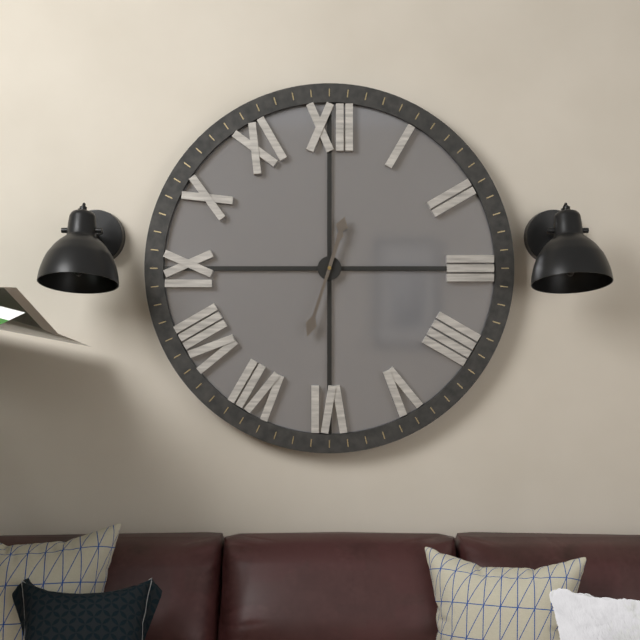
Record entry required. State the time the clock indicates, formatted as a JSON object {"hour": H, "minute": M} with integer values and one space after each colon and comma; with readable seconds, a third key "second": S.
{"hour": 12, "minute": 33}
